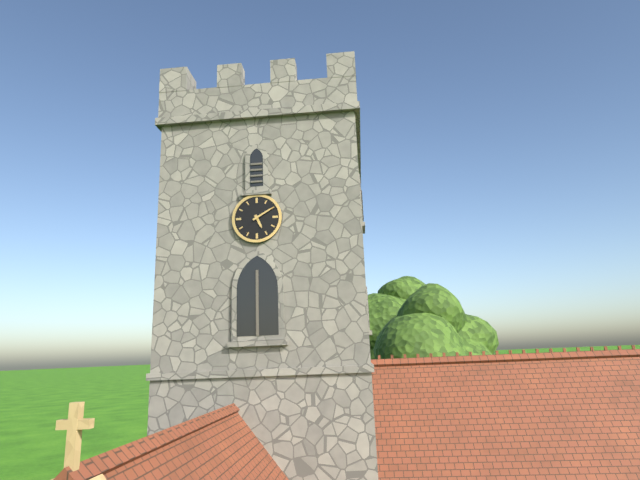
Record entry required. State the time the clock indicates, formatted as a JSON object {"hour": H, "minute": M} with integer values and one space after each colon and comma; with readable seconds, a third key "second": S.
{"hour": 5, "minute": 10}
